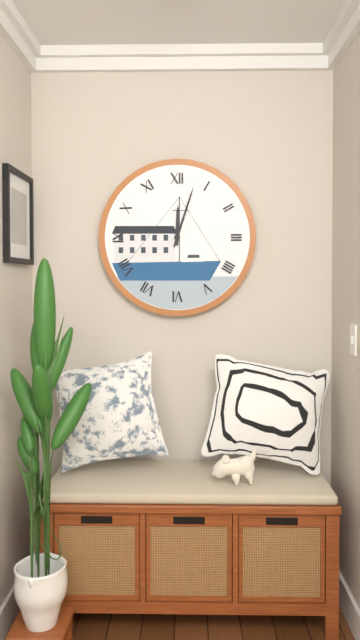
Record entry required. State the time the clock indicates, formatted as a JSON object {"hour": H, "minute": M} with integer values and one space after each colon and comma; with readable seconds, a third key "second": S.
{"hour": 12, "minute": 3}
